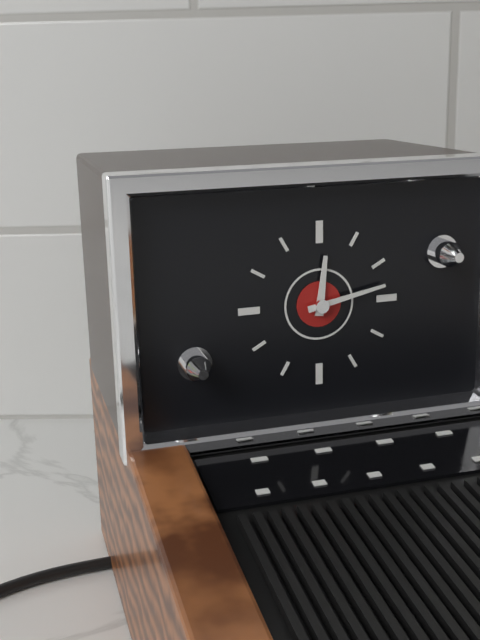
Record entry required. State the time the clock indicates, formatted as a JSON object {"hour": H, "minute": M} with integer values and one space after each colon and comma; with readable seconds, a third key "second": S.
{"hour": 12, "minute": 13}
